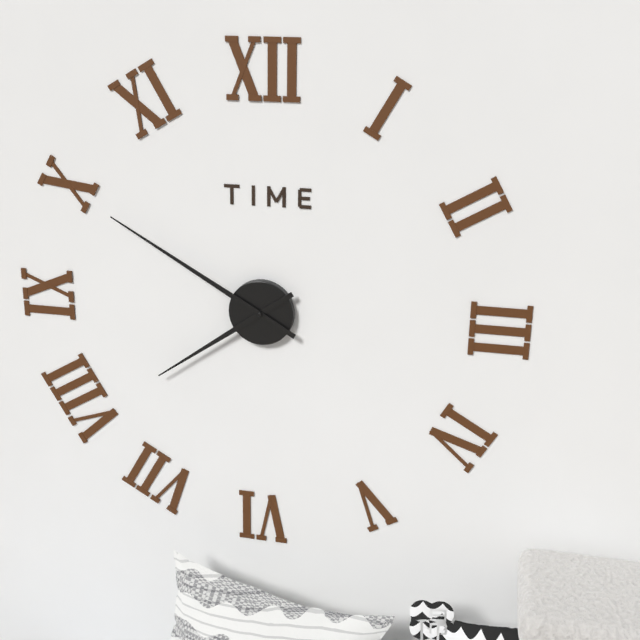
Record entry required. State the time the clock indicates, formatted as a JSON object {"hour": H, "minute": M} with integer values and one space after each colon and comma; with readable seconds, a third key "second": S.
{"hour": 7, "minute": 50}
